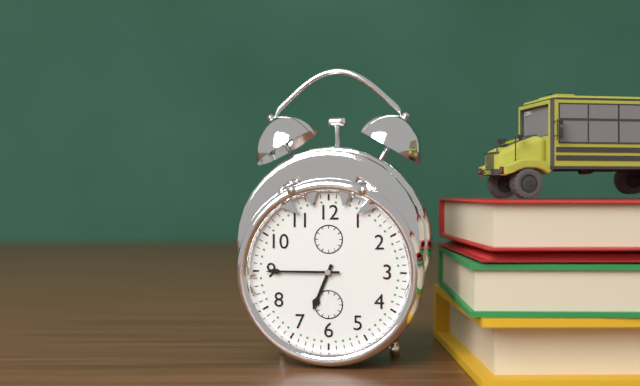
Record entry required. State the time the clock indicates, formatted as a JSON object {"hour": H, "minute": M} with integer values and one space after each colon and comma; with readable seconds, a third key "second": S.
{"hour": 6, "minute": 45}
